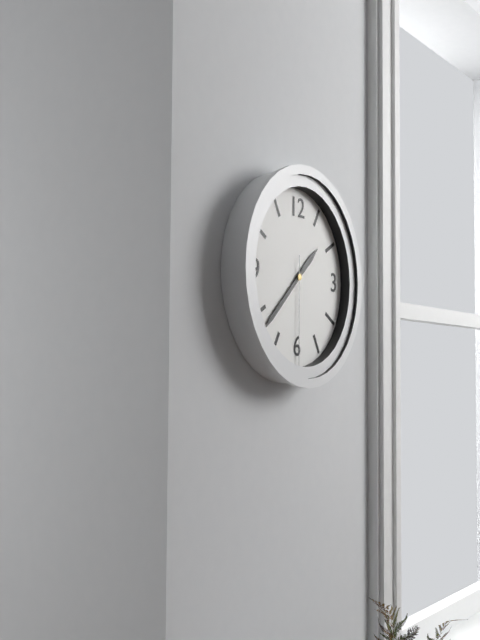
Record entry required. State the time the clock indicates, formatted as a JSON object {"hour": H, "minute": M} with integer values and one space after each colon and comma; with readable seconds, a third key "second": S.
{"hour": 1, "minute": 38, "second": 30}
